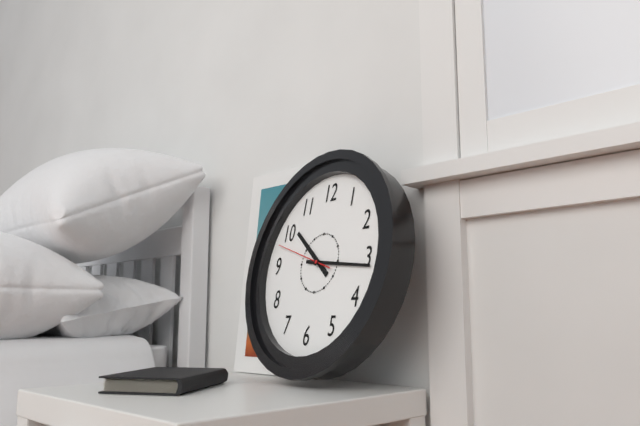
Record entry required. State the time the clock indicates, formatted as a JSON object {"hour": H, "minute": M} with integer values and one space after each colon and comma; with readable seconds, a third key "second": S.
{"hour": 10, "minute": 16, "second": 48}
